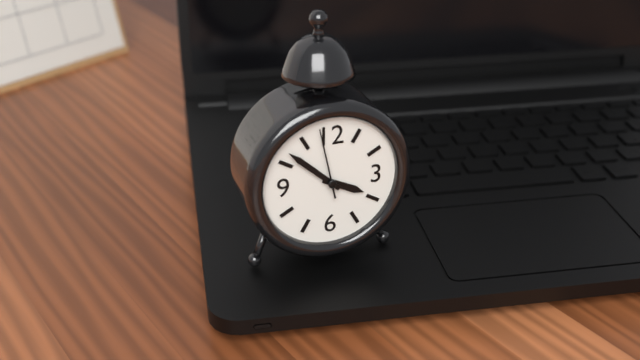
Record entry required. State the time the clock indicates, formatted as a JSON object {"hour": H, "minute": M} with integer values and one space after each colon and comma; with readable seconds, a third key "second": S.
{"hour": 3, "minute": 52}
